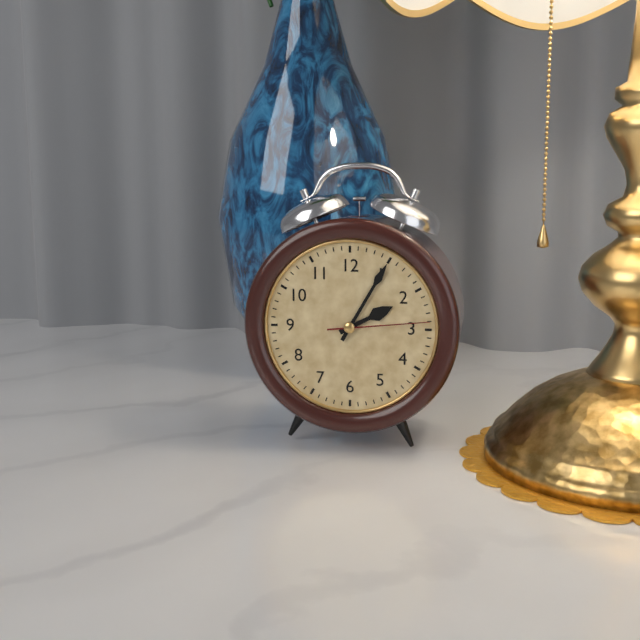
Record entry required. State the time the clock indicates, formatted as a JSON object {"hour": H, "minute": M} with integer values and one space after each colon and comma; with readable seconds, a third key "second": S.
{"hour": 2, "minute": 5, "second": 14}
